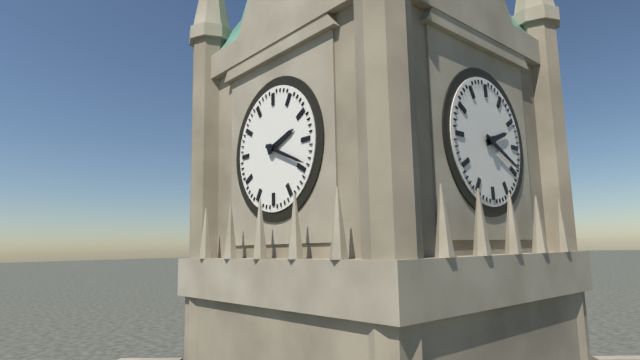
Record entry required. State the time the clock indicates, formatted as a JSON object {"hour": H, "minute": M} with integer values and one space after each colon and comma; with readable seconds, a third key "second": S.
{"hour": 2, "minute": 19}
